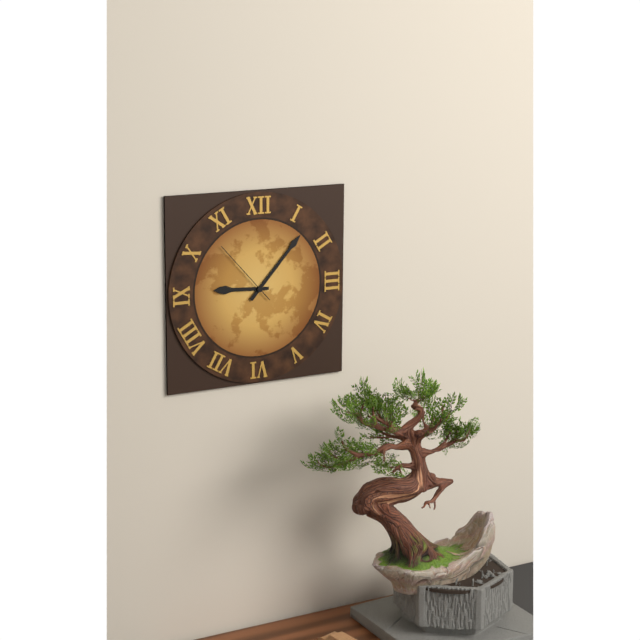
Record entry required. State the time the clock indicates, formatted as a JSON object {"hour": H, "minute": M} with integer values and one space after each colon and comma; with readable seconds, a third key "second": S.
{"hour": 9, "minute": 7, "second": 53}
